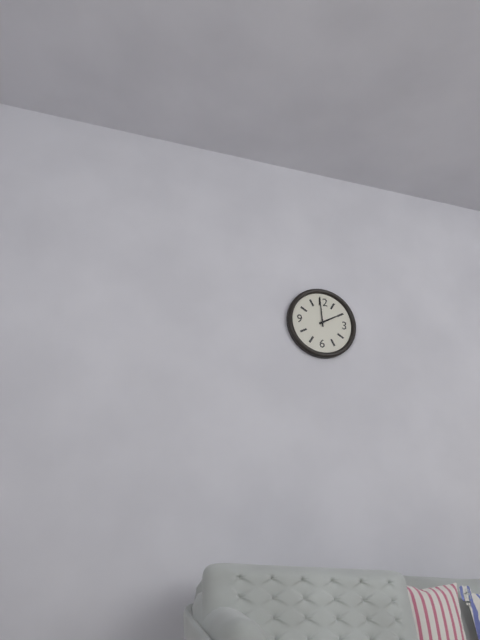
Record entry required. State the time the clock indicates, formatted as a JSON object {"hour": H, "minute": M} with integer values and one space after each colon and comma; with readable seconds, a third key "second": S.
{"hour": 1, "minute": 59}
